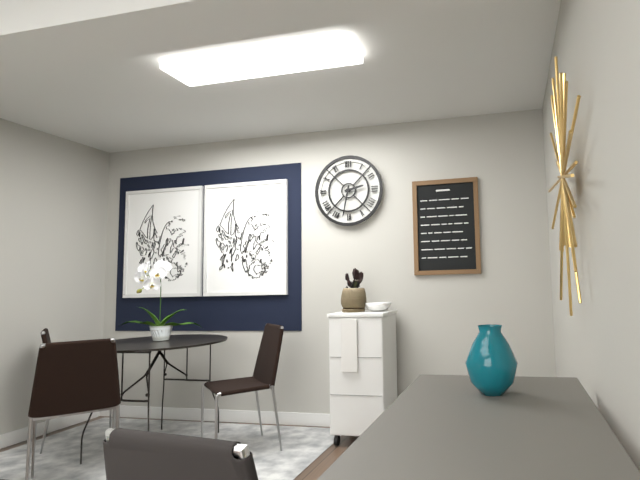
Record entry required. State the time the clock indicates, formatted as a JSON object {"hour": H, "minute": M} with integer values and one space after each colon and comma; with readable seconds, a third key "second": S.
{"hour": 2, "minute": 32}
